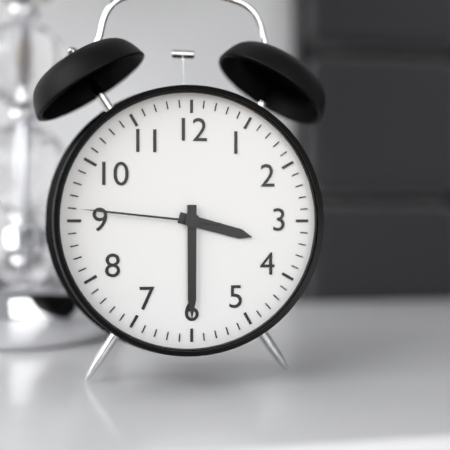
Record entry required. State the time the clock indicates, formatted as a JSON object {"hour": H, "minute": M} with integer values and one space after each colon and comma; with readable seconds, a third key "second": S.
{"hour": 3, "minute": 30, "second": 46}
